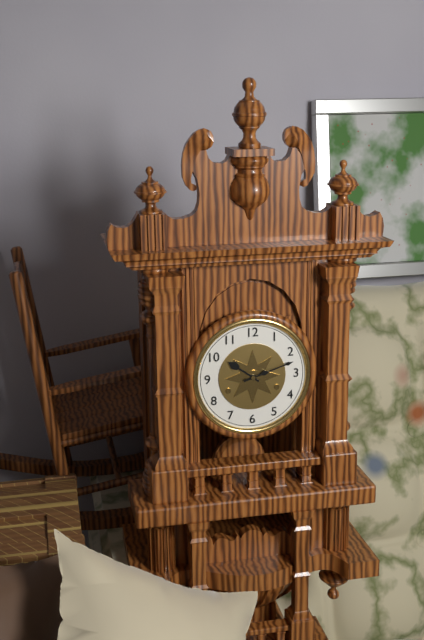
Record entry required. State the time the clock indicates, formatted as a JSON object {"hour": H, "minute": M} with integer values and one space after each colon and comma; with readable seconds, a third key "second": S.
{"hour": 10, "minute": 12}
